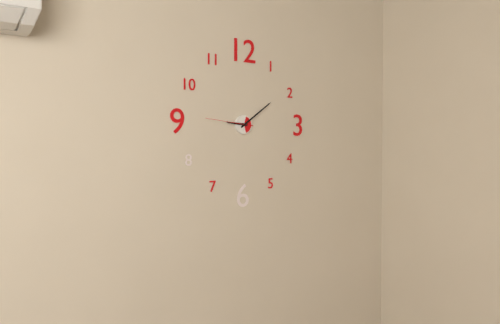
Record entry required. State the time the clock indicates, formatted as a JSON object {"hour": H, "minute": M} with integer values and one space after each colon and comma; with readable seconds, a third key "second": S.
{"hour": 9, "minute": 9, "second": 46}
